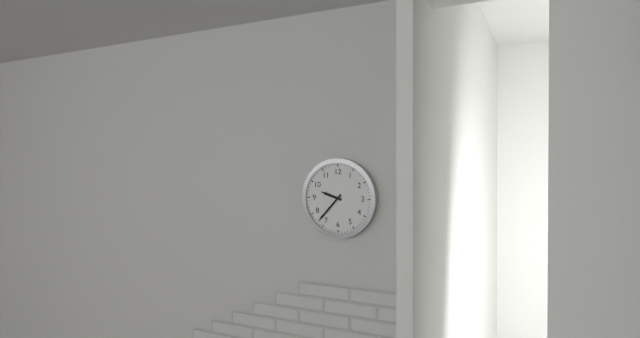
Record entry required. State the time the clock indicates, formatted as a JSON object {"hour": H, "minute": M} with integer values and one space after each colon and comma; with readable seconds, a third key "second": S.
{"hour": 9, "minute": 37}
